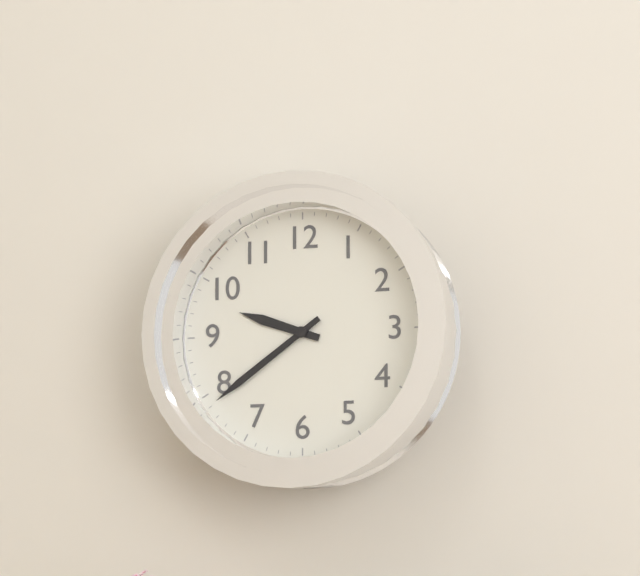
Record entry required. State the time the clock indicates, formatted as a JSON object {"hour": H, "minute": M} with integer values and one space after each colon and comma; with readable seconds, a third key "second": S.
{"hour": 9, "minute": 39}
